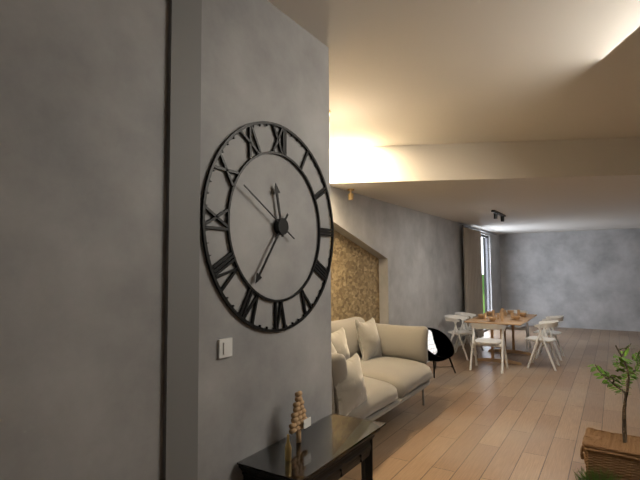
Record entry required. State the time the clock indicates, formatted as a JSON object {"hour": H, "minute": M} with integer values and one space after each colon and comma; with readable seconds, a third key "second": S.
{"hour": 11, "minute": 36, "second": 50}
